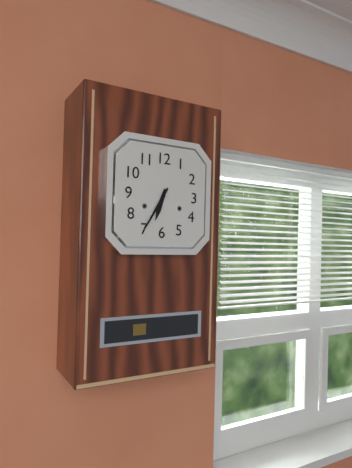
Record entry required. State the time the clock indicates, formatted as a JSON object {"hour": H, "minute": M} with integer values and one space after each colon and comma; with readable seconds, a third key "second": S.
{"hour": 6, "minute": 35}
